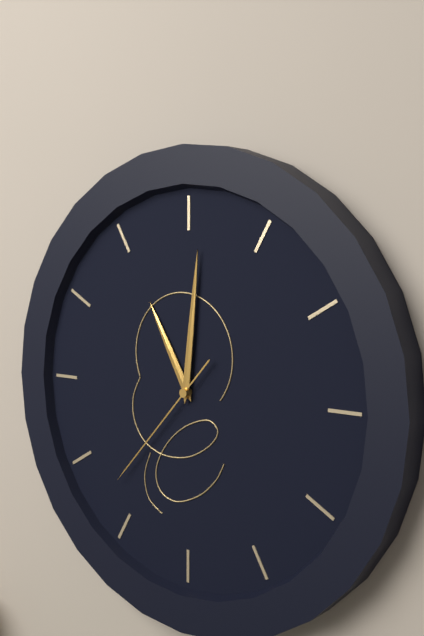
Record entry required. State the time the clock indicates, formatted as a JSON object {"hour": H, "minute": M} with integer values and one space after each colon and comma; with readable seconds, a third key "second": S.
{"hour": 11, "minute": 1, "second": 37}
